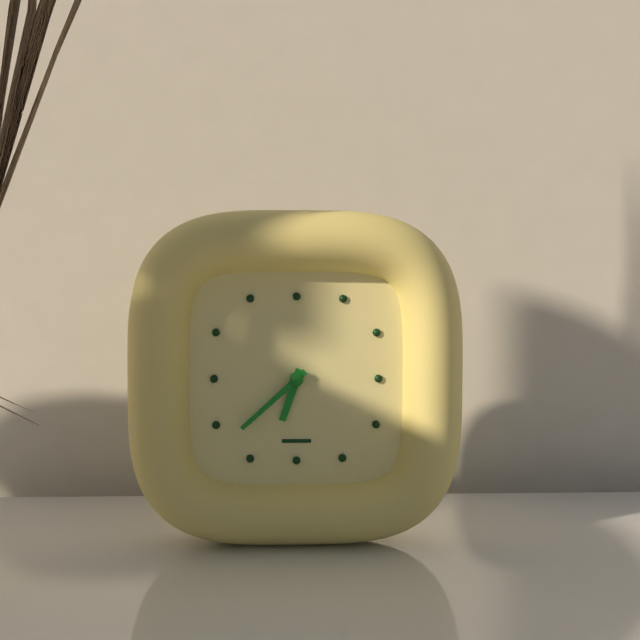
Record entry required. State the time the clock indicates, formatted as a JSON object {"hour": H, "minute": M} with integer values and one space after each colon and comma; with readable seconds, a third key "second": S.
{"hour": 6, "minute": 38}
